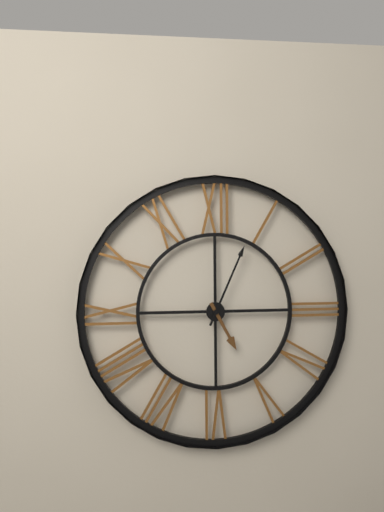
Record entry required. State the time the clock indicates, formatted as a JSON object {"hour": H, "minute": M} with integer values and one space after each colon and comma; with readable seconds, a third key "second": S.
{"hour": 5, "minute": 4}
